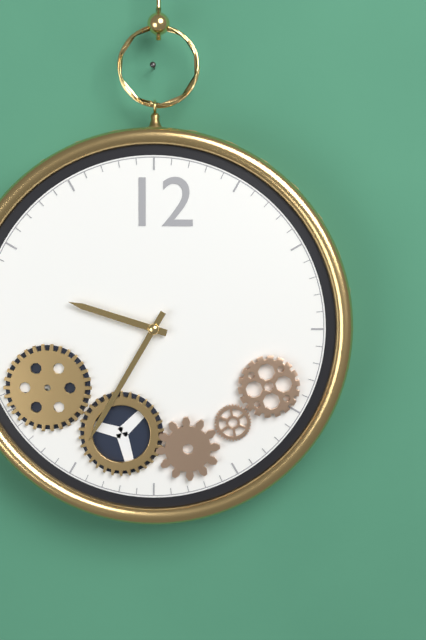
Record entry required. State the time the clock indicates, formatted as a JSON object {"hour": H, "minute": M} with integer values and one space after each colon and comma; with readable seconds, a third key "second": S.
{"hour": 9, "minute": 35}
